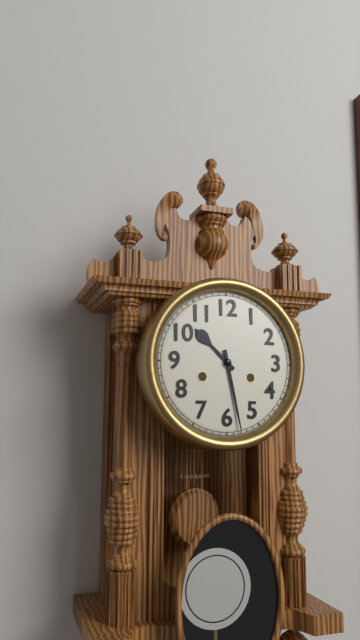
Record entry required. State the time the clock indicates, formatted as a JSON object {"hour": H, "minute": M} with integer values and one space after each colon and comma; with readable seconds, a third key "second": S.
{"hour": 10, "minute": 28}
